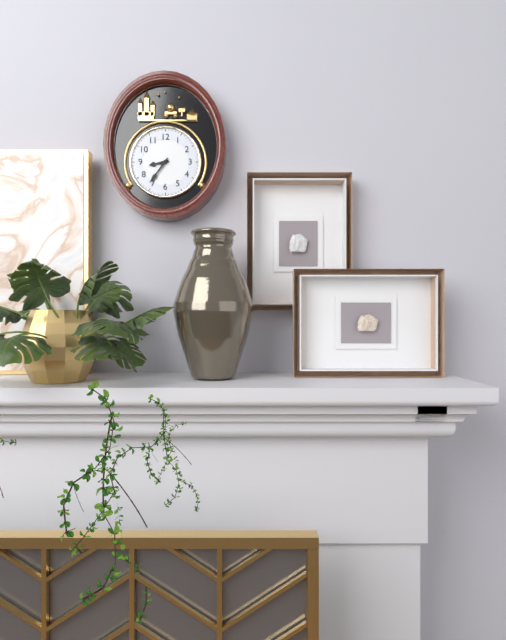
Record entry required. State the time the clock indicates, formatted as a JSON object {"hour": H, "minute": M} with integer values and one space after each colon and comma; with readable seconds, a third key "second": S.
{"hour": 8, "minute": 36}
